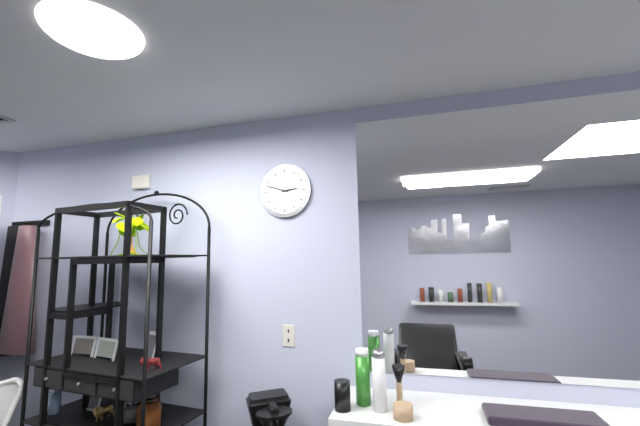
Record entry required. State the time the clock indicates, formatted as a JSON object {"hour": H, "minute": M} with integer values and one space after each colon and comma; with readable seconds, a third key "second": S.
{"hour": 2, "minute": 48}
